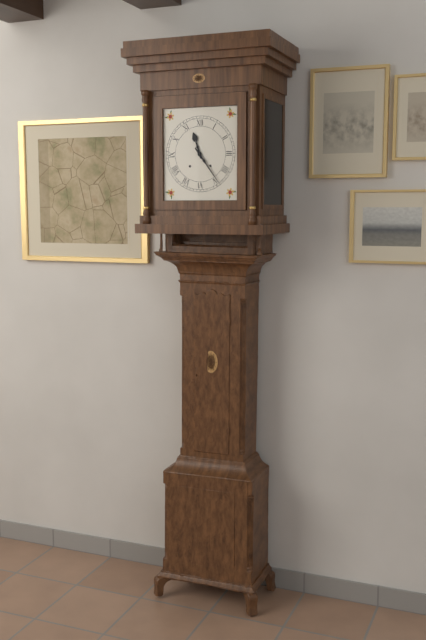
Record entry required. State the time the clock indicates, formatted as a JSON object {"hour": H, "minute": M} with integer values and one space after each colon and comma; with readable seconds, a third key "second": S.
{"hour": 11, "minute": 24}
